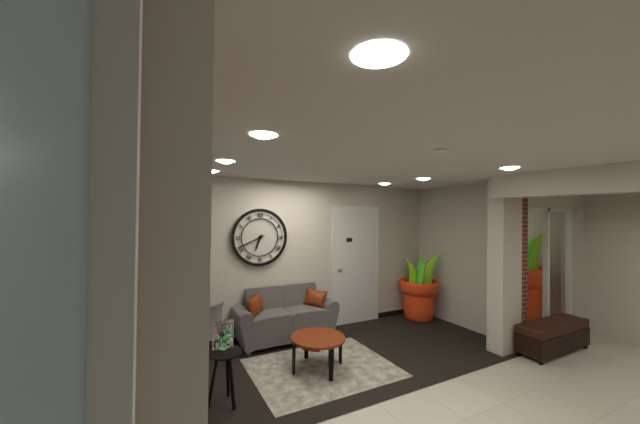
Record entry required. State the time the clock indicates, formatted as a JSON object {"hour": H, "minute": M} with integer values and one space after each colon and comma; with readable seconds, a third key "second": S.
{"hour": 6, "minute": 41}
